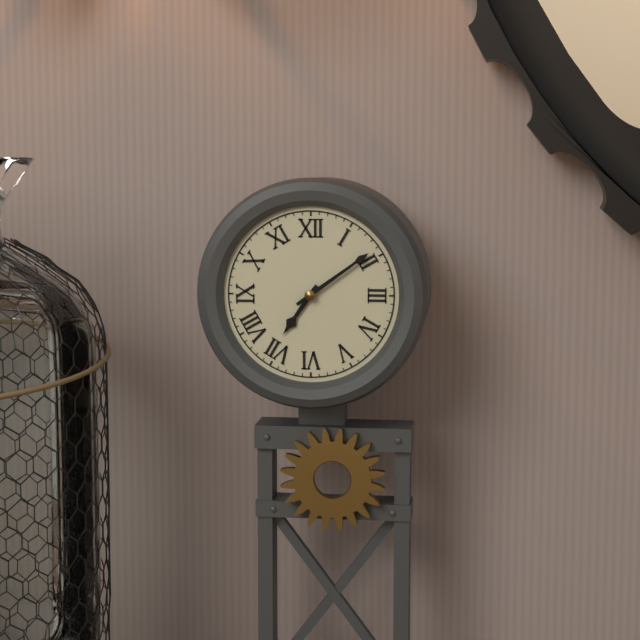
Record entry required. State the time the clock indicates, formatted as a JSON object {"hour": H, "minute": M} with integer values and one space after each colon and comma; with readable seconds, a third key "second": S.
{"hour": 7, "minute": 9}
